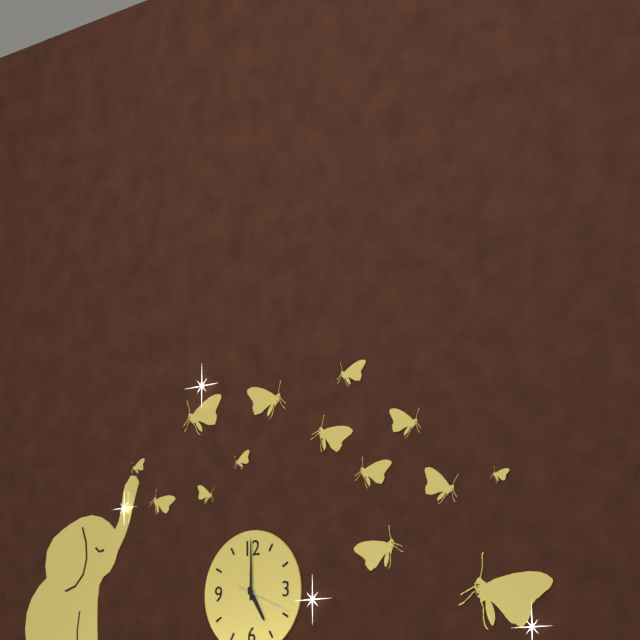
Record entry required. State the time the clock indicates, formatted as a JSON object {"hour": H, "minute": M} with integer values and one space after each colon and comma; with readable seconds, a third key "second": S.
{"hour": 5, "minute": 0, "second": 19}
